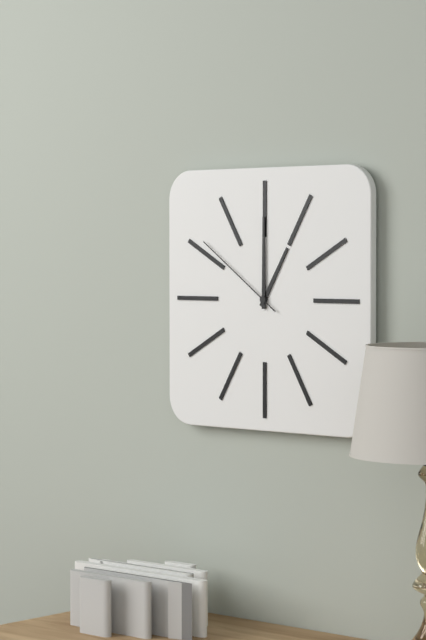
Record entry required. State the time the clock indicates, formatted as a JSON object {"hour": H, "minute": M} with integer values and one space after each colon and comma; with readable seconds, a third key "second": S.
{"hour": 1, "minute": 0, "second": 51}
